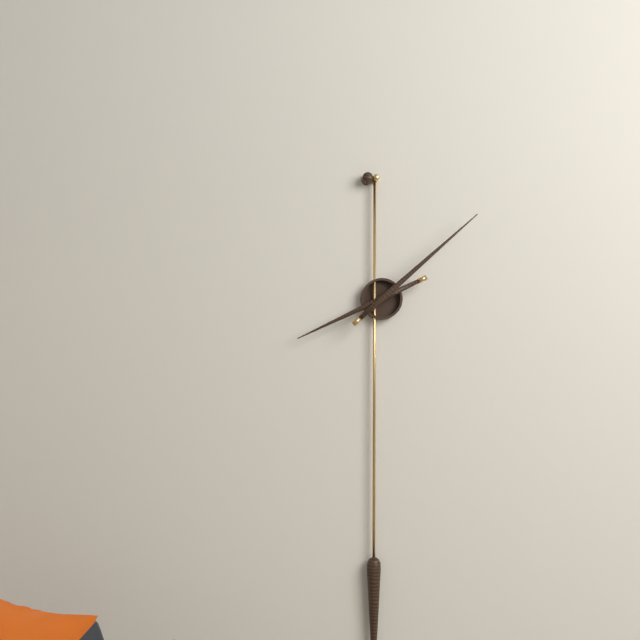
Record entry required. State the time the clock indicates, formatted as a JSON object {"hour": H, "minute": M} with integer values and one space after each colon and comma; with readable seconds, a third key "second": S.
{"hour": 8, "minute": 8}
